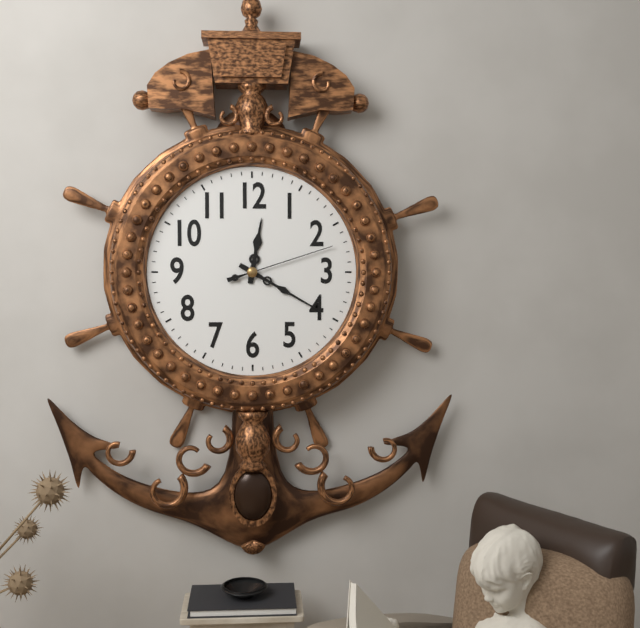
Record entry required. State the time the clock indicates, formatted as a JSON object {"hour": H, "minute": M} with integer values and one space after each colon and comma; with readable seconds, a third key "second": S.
{"hour": 12, "minute": 20, "second": 12}
